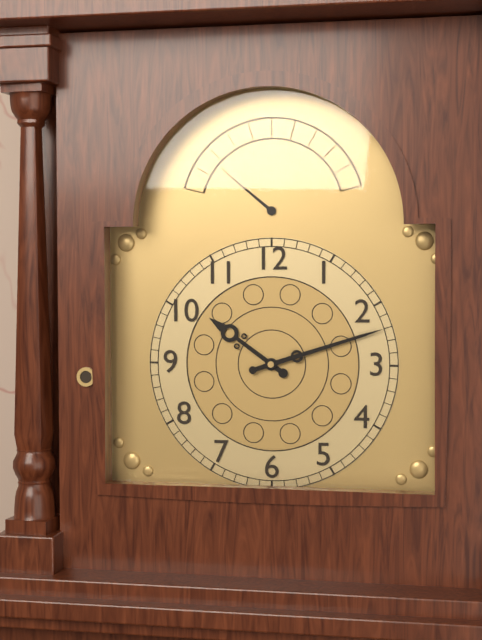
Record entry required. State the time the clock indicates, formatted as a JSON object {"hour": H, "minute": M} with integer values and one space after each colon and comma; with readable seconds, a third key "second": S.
{"hour": 10, "minute": 12}
